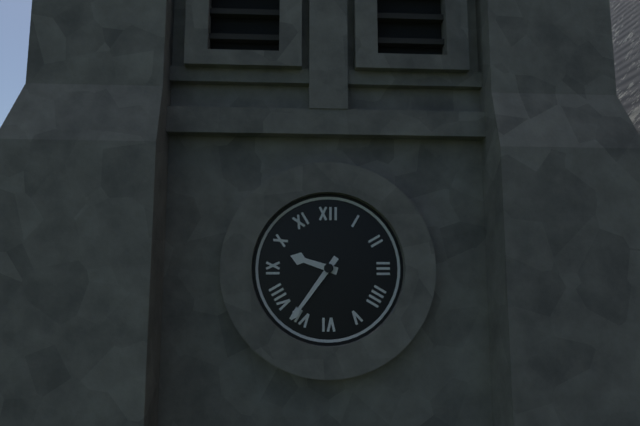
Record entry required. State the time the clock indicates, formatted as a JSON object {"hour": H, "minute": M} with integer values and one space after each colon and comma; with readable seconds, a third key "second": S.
{"hour": 9, "minute": 36}
